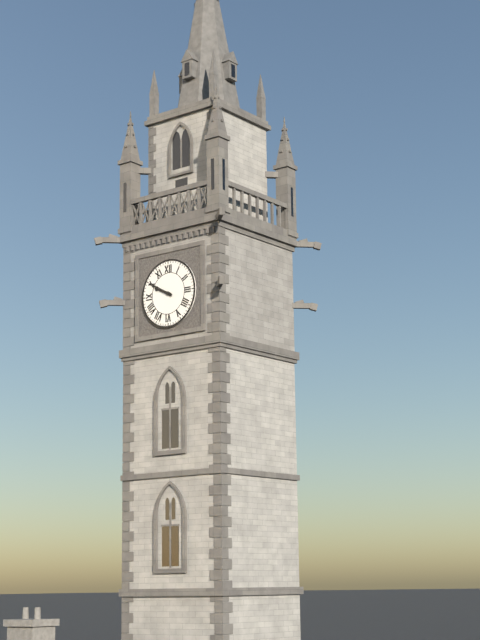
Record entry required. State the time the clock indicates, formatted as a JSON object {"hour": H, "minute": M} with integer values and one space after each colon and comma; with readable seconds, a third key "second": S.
{"hour": 9, "minute": 50}
